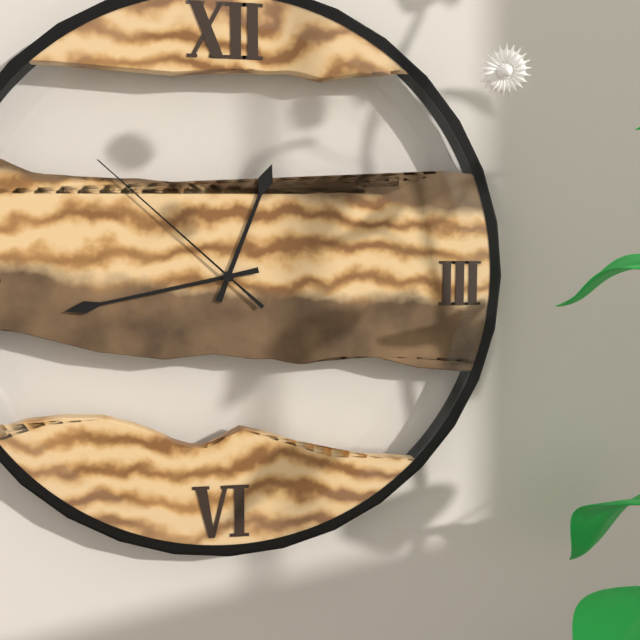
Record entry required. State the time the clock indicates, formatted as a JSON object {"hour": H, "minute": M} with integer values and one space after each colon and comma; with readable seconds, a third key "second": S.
{"hour": 12, "minute": 43, "second": 52}
